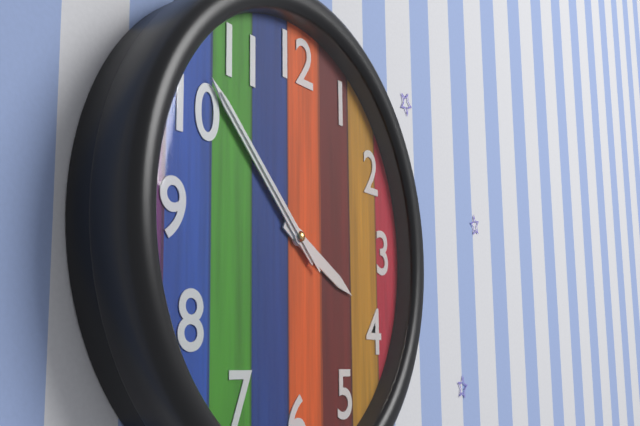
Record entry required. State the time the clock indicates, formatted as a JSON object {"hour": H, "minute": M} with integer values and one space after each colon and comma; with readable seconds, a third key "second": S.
{"hour": 3, "minute": 52, "second": 52}
